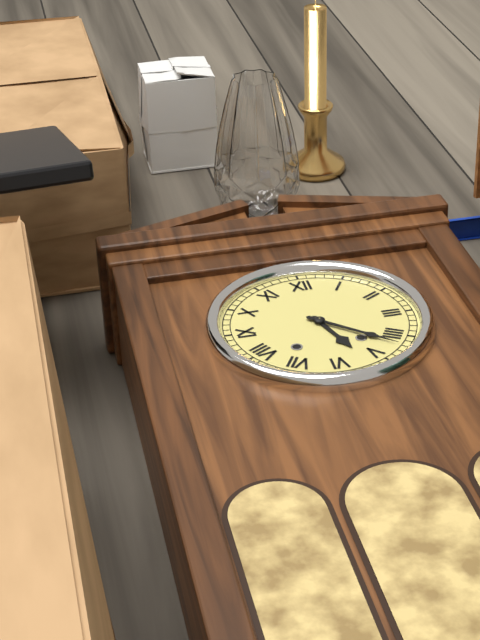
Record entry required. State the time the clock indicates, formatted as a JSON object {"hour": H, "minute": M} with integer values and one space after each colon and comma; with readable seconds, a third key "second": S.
{"hour": 5, "minute": 22}
